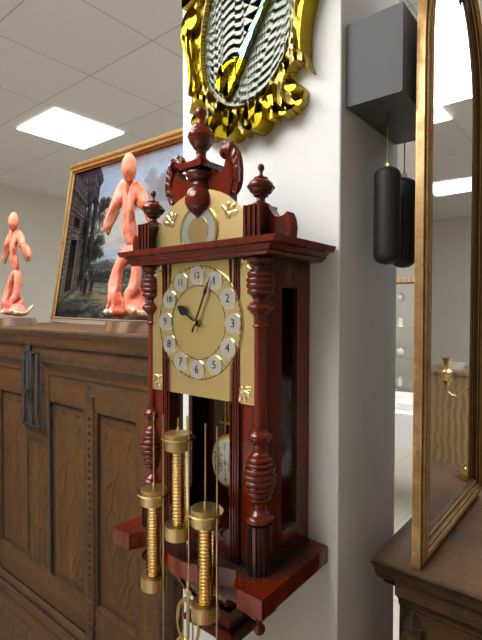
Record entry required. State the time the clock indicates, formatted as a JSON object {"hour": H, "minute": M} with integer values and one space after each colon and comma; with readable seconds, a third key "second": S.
{"hour": 10, "minute": 4}
